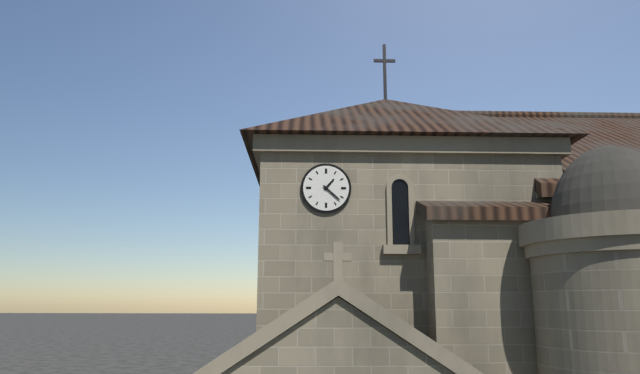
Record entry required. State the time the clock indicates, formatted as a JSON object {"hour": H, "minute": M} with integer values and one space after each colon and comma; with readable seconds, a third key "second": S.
{"hour": 1, "minute": 22}
